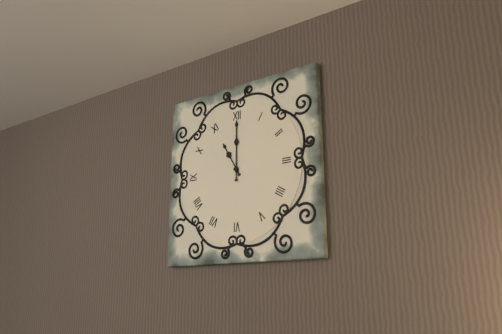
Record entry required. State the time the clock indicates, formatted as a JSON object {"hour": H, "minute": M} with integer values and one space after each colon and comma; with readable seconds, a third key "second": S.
{"hour": 11, "minute": 0}
